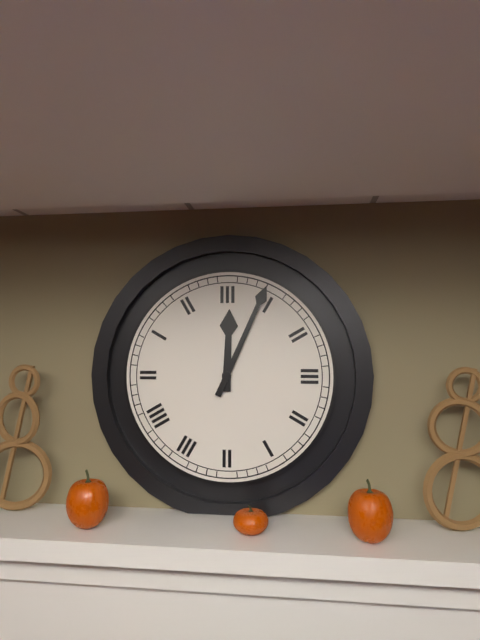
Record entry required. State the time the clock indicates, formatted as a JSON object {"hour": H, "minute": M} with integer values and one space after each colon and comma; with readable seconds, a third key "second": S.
{"hour": 12, "minute": 4}
